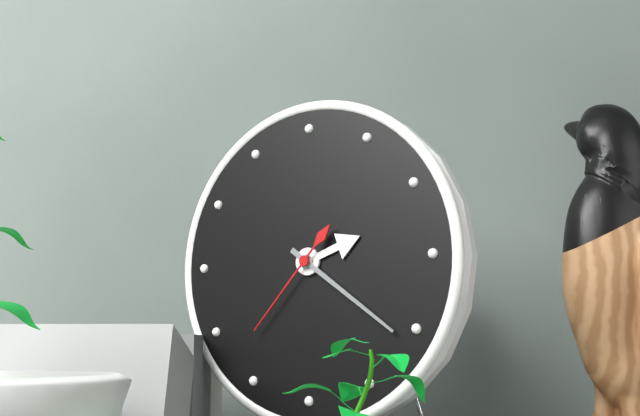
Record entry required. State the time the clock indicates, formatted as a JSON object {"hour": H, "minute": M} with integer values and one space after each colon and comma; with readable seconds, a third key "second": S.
{"hour": 2, "minute": 21, "second": 37}
